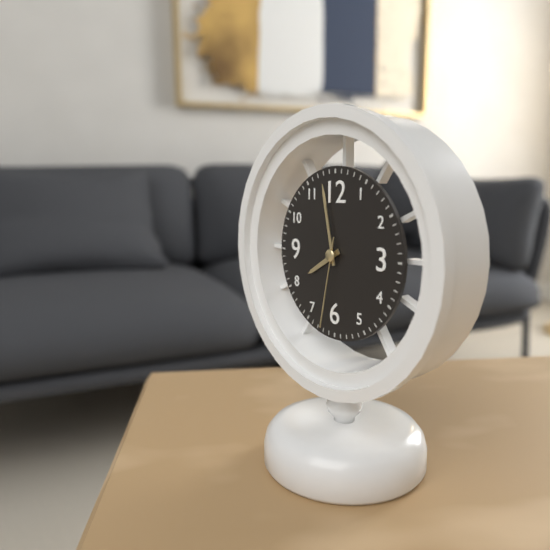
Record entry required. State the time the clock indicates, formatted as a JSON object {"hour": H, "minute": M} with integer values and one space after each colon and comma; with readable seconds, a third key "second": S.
{"hour": 7, "minute": 58, "second": 32}
